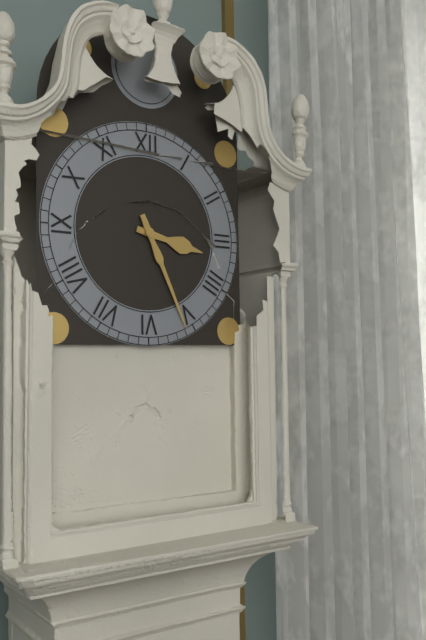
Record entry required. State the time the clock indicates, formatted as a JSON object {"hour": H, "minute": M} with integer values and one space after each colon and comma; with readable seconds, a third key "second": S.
{"hour": 3, "minute": 26}
